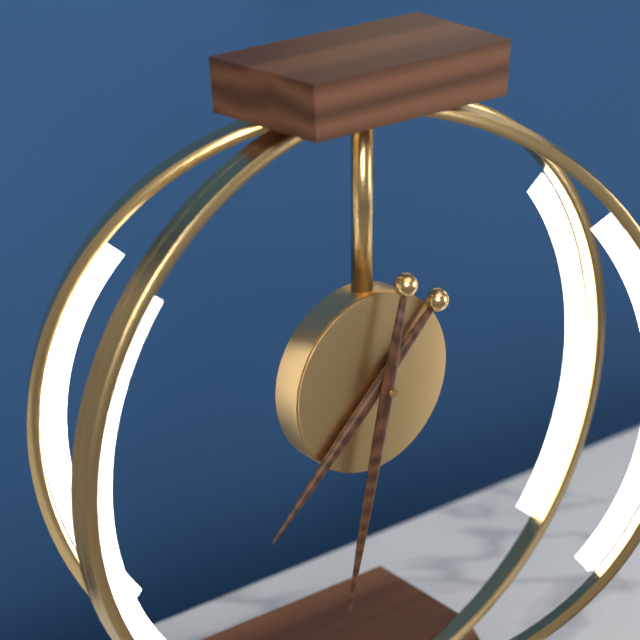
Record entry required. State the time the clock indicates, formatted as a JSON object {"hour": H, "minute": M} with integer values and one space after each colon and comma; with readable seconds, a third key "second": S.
{"hour": 7, "minute": 32}
